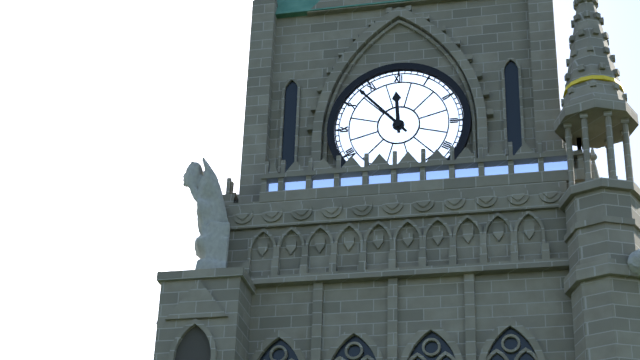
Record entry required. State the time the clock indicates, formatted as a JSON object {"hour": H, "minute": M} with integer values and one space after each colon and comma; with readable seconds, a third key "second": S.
{"hour": 11, "minute": 53}
